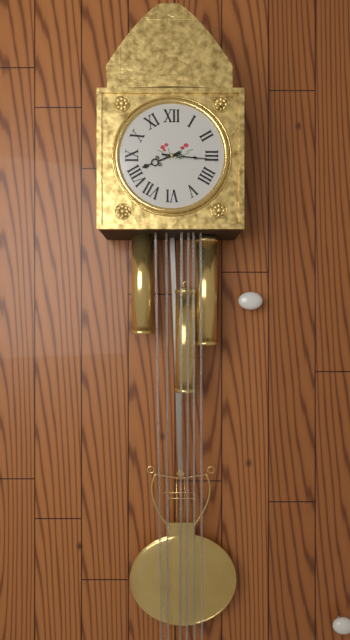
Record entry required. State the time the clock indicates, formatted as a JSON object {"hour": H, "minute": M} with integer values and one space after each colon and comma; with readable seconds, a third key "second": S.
{"hour": 8, "minute": 16}
